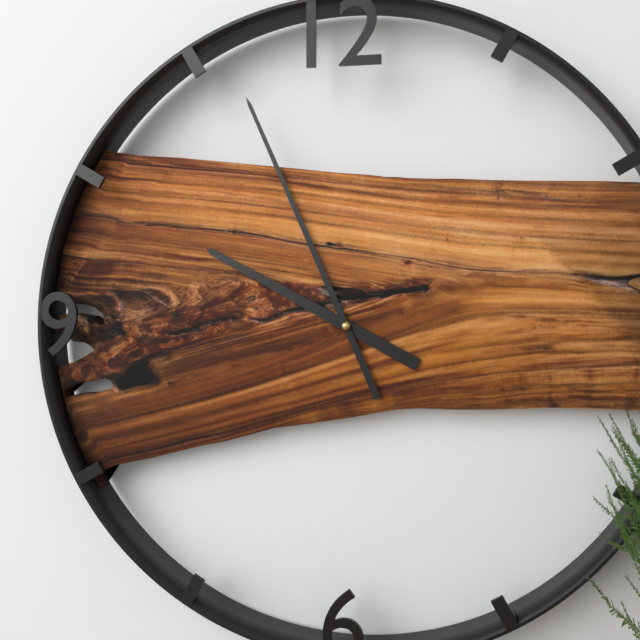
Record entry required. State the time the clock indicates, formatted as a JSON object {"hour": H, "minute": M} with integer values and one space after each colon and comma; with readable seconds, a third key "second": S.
{"hour": 9, "minute": 56}
